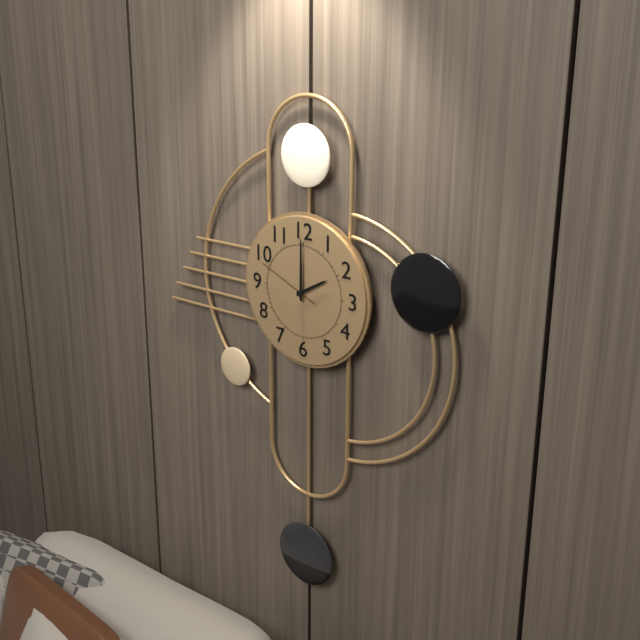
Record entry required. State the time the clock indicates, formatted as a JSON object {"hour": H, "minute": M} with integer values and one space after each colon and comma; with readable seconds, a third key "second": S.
{"hour": 2, "minute": 0, "second": 49}
